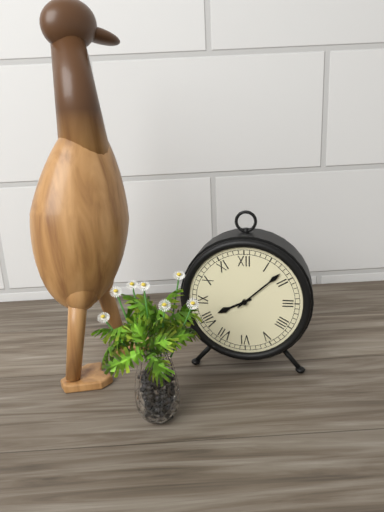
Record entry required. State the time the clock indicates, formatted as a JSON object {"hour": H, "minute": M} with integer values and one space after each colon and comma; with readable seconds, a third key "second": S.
{"hour": 8, "minute": 8}
